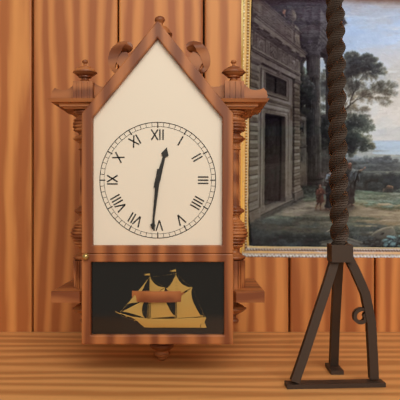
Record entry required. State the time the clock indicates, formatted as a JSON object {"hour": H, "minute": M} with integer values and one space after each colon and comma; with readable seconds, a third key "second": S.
{"hour": 12, "minute": 31}
